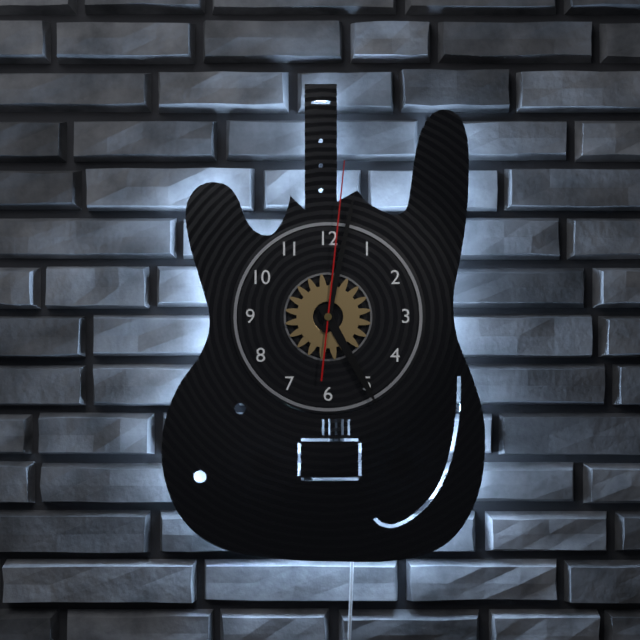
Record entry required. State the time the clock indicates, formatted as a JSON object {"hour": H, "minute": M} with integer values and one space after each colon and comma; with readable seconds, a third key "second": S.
{"hour": 5, "minute": 2, "second": 1}
